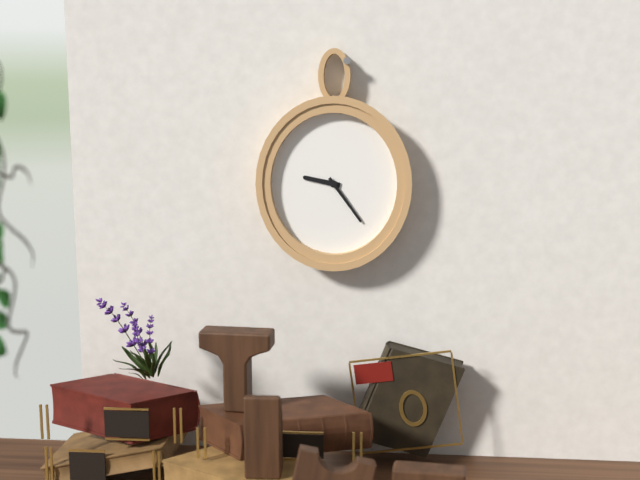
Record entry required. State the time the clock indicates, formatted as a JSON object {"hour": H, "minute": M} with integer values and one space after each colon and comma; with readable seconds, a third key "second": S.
{"hour": 9, "minute": 24}
